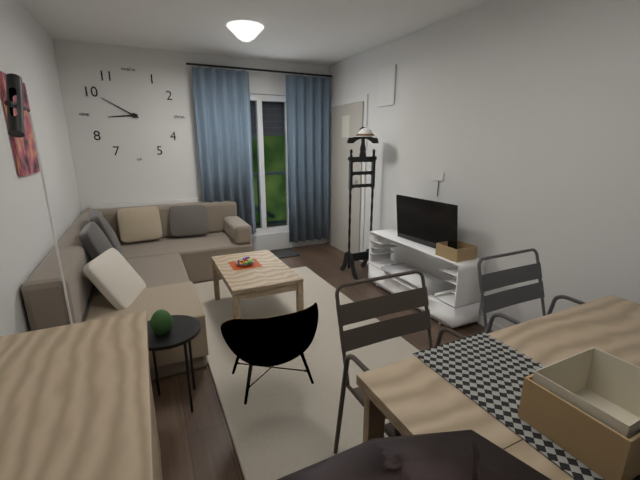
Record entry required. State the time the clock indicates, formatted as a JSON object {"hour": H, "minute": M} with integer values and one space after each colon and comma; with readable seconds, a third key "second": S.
{"hour": 8, "minute": 50}
